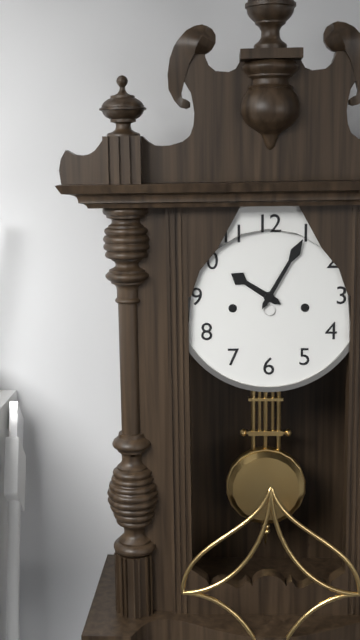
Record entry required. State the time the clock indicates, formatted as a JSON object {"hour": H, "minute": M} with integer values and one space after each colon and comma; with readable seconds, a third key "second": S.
{"hour": 10, "minute": 5}
